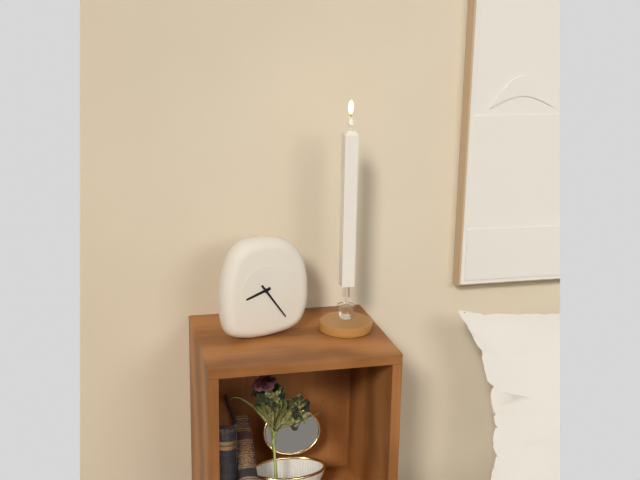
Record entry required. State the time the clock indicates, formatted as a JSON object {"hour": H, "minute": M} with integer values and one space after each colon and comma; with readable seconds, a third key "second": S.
{"hour": 8, "minute": 24}
